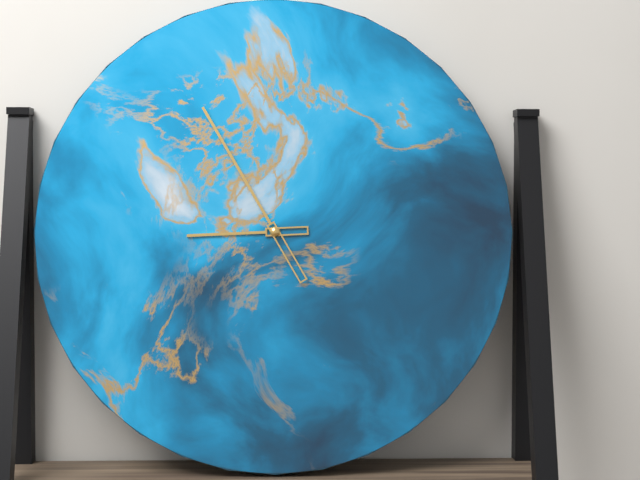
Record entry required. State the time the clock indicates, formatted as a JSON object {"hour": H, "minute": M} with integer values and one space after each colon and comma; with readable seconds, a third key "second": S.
{"hour": 8, "minute": 55}
